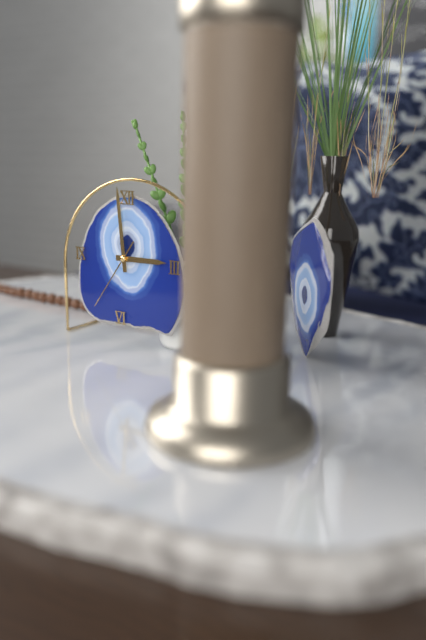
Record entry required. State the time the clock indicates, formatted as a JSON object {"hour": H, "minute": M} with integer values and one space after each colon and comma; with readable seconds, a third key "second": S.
{"hour": 2, "minute": 59, "second": 36}
